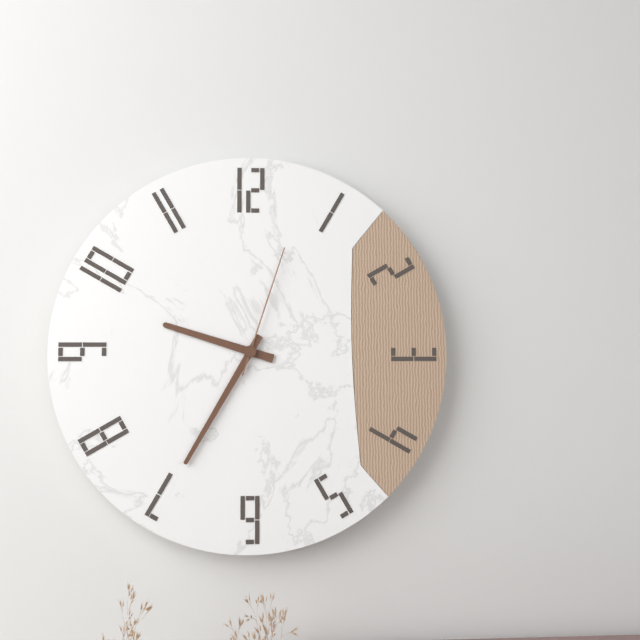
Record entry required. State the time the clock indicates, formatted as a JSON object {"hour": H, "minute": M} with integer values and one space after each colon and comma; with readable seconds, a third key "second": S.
{"hour": 9, "minute": 35, "second": 3}
